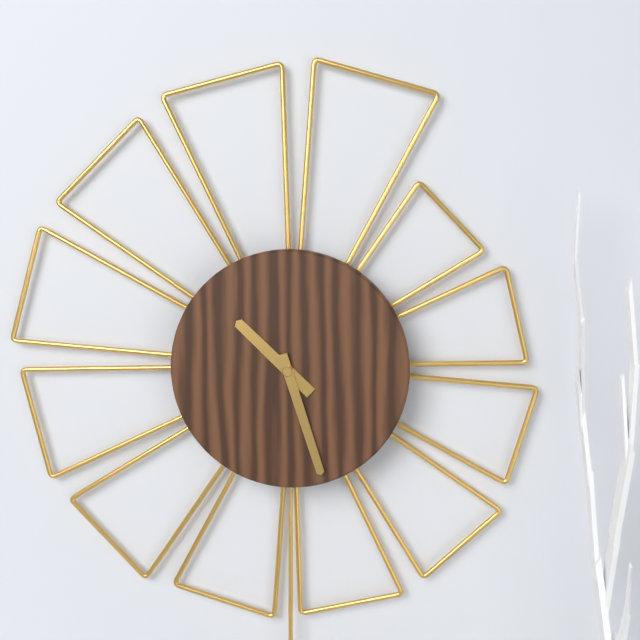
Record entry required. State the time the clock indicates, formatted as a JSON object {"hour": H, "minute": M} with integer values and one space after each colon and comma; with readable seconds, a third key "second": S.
{"hour": 10, "minute": 27}
